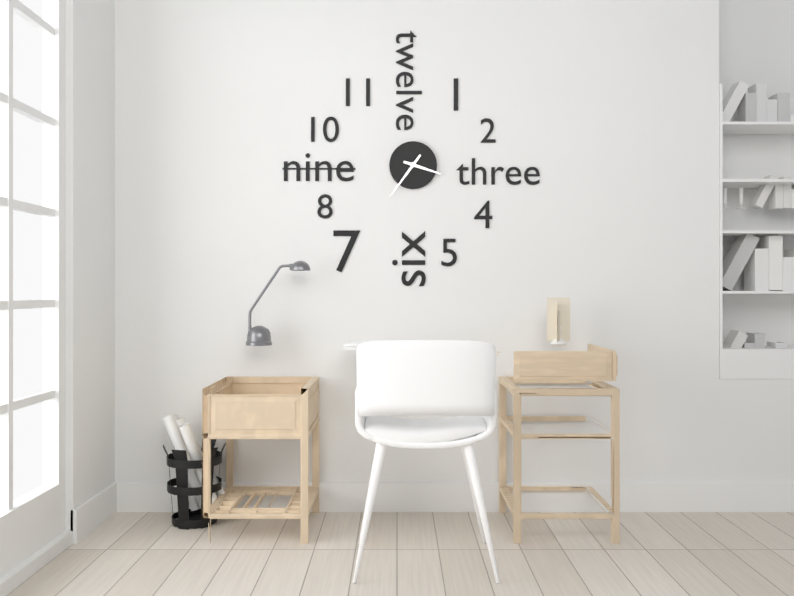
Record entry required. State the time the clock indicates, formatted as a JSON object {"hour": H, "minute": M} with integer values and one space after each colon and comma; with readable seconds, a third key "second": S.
{"hour": 3, "minute": 36}
